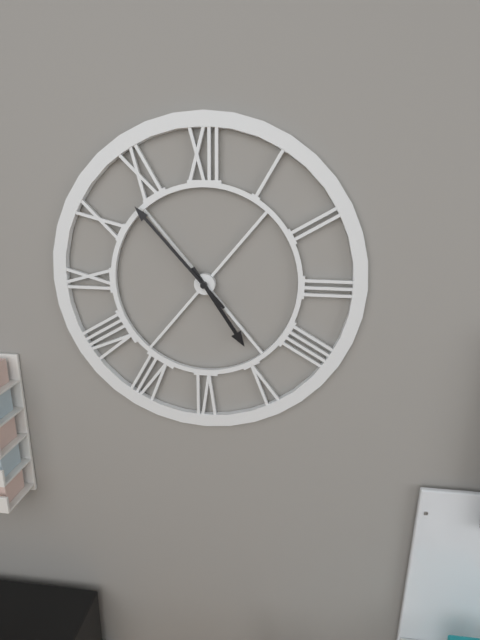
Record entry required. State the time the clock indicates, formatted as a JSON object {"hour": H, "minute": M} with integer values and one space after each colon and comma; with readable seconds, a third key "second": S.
{"hour": 4, "minute": 53}
